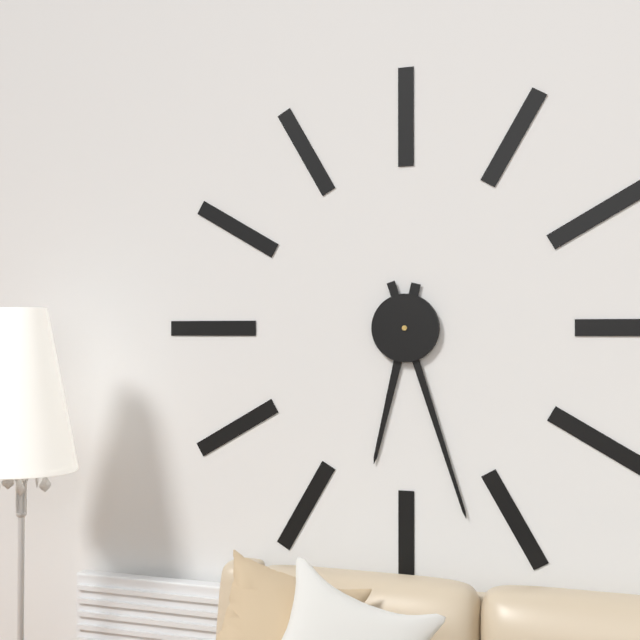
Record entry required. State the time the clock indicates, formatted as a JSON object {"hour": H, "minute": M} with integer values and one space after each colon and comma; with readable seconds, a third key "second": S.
{"hour": 6, "minute": 27}
